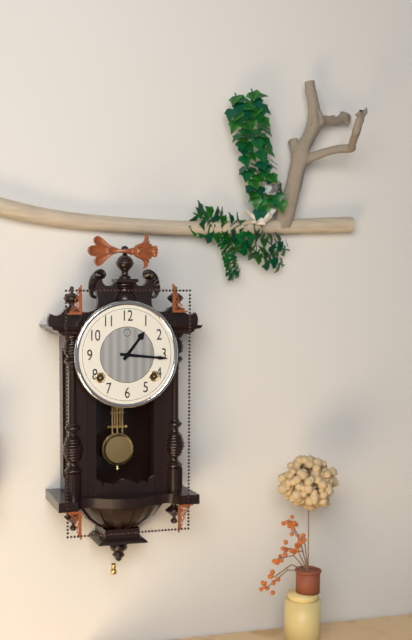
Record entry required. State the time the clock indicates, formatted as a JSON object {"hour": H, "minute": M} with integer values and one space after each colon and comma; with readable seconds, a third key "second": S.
{"hour": 1, "minute": 16}
